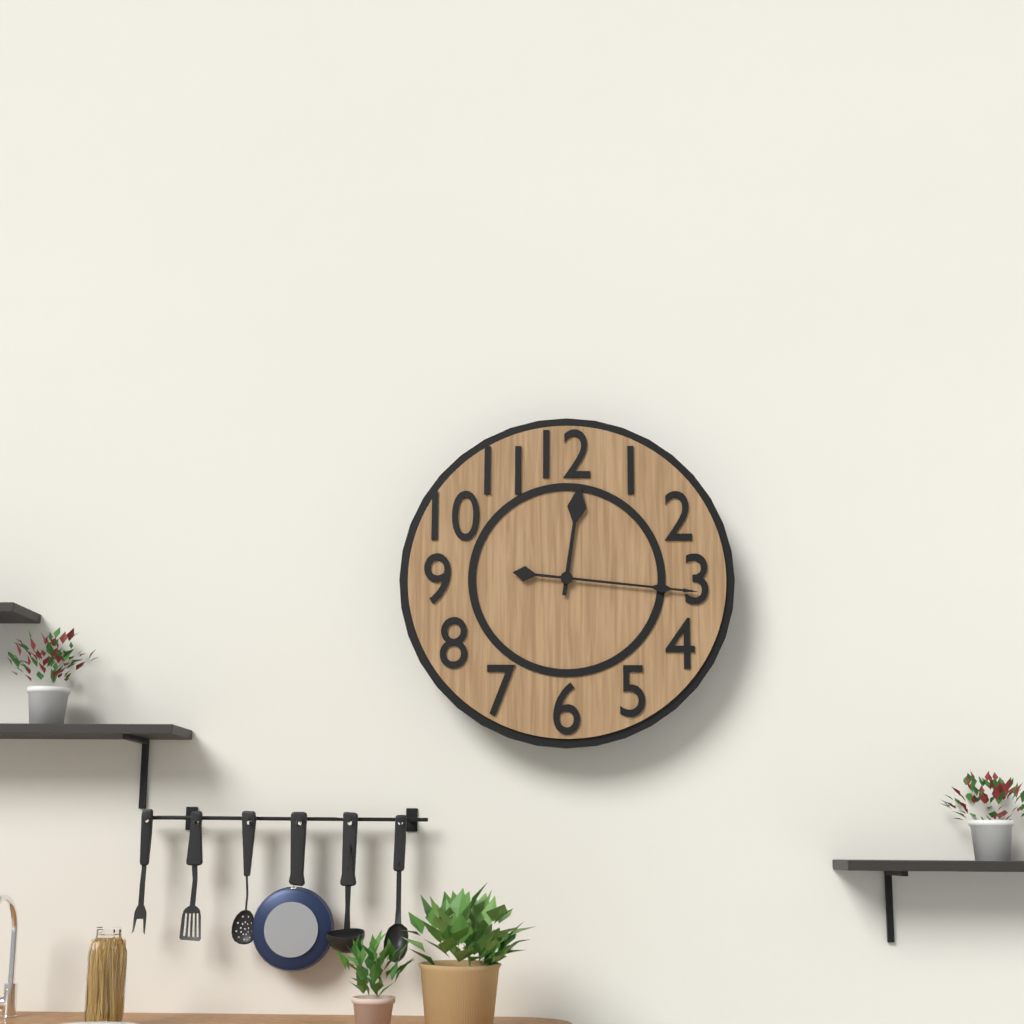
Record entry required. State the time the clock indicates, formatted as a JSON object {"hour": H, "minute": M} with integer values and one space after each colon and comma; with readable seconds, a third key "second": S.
{"hour": 12, "minute": 16}
